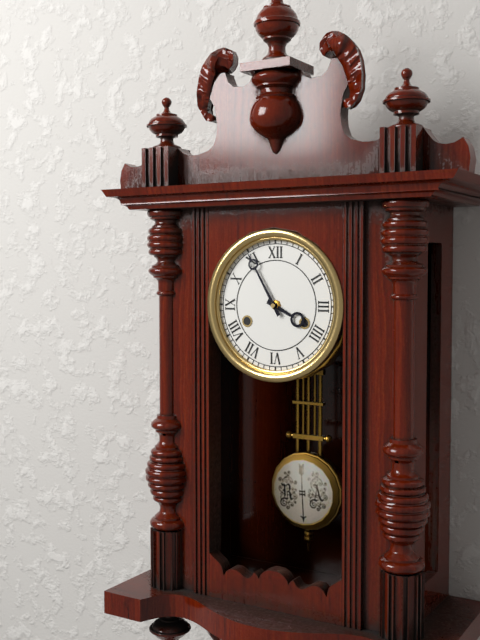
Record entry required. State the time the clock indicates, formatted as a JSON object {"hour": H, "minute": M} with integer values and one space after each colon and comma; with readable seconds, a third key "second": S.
{"hour": 3, "minute": 55}
